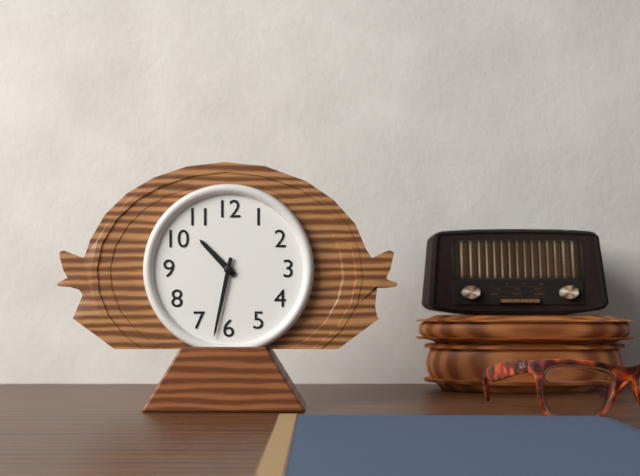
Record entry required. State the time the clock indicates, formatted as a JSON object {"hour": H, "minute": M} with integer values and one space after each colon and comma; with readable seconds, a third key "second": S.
{"hour": 10, "minute": 32}
